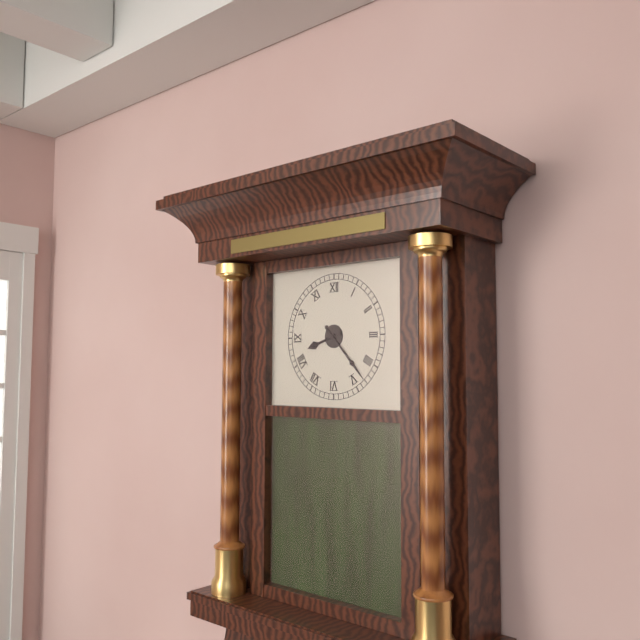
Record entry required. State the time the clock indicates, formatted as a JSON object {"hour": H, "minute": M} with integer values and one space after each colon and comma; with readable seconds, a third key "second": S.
{"hour": 8, "minute": 23}
